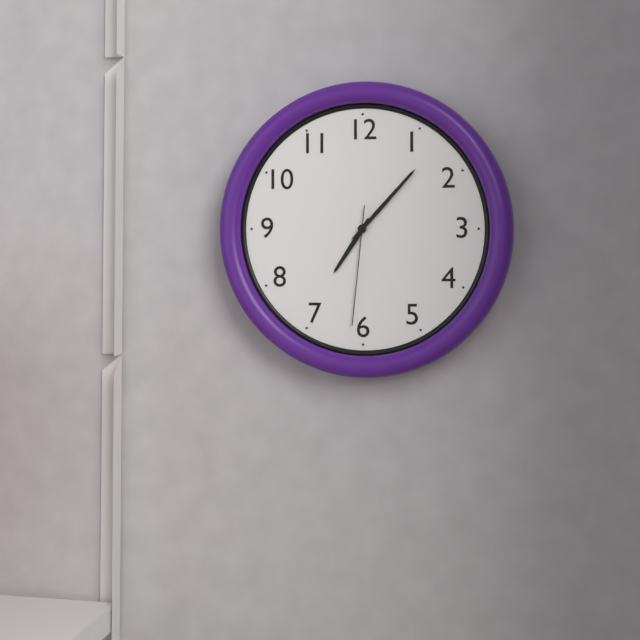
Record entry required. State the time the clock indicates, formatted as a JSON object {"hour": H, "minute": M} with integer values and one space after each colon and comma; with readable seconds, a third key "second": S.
{"hour": 7, "minute": 7, "second": 31}
